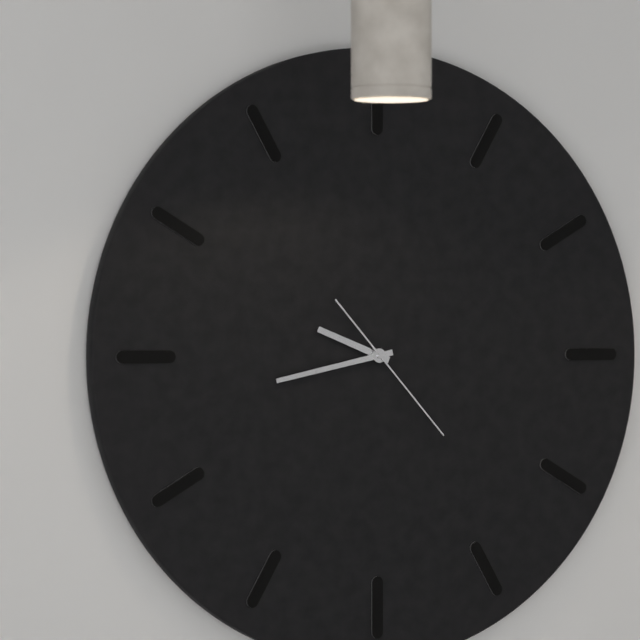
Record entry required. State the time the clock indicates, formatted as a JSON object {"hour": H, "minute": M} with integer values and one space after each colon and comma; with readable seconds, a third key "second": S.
{"hour": 9, "minute": 43, "second": 23}
